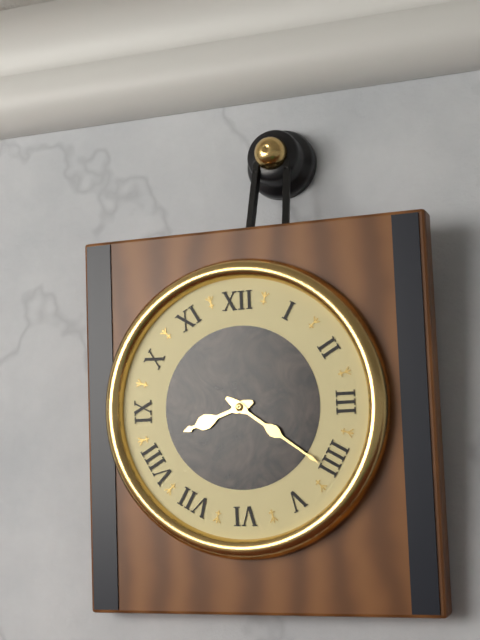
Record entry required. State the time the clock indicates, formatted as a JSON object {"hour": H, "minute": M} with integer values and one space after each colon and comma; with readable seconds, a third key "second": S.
{"hour": 8, "minute": 21}
